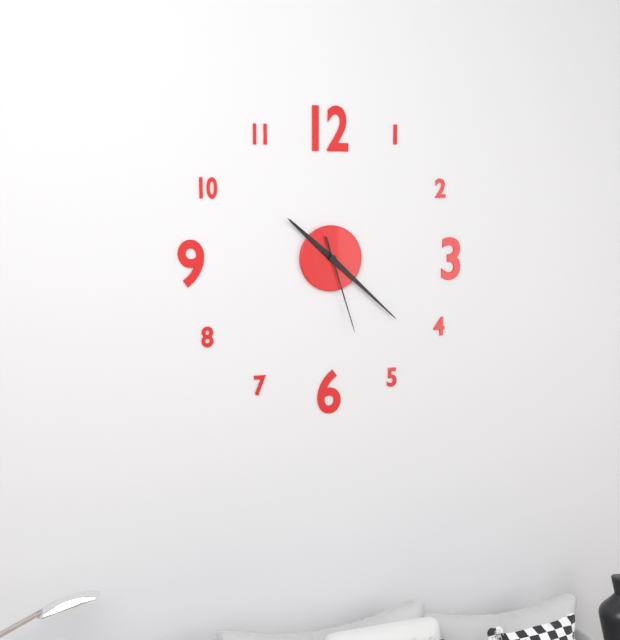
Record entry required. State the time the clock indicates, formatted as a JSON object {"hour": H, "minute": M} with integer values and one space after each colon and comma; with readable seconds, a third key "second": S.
{"hour": 10, "minute": 22, "second": 27}
